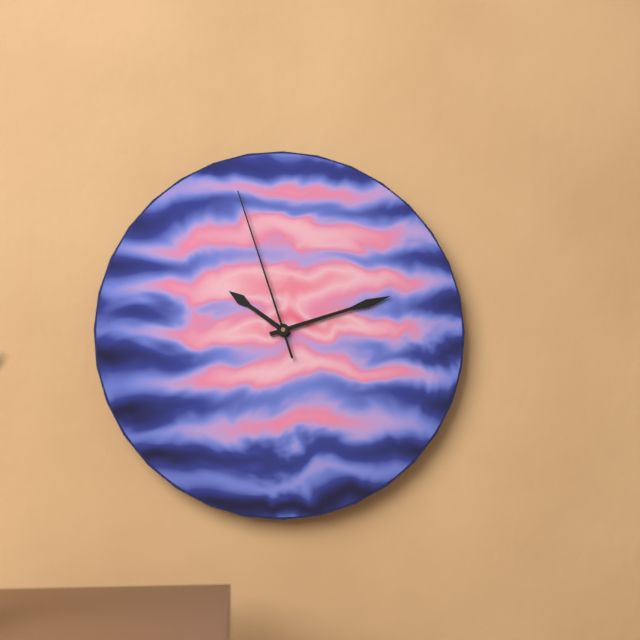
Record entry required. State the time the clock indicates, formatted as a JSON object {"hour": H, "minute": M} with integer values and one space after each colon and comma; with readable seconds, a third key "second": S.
{"hour": 10, "minute": 12, "second": 57}
